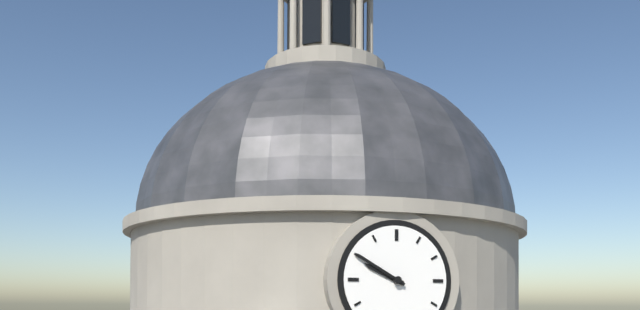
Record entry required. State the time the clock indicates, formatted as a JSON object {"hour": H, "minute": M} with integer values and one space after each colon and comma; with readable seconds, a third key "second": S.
{"hour": 9, "minute": 50}
